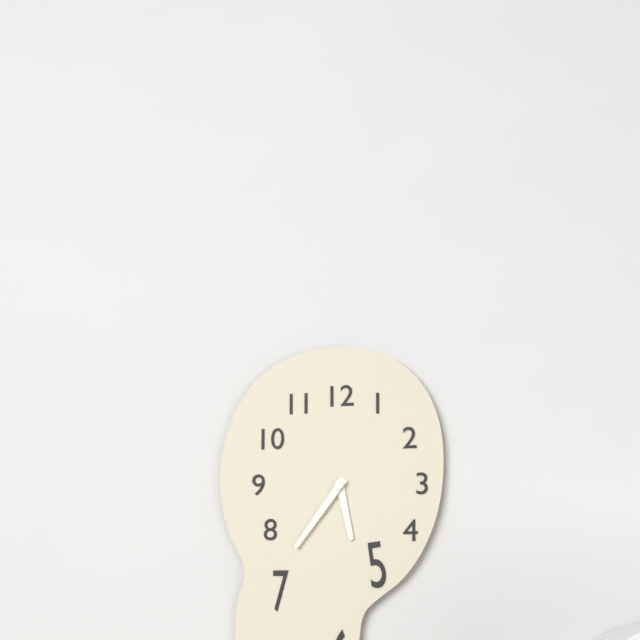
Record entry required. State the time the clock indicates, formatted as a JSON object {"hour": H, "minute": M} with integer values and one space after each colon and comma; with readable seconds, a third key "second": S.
{"hour": 5, "minute": 36}
